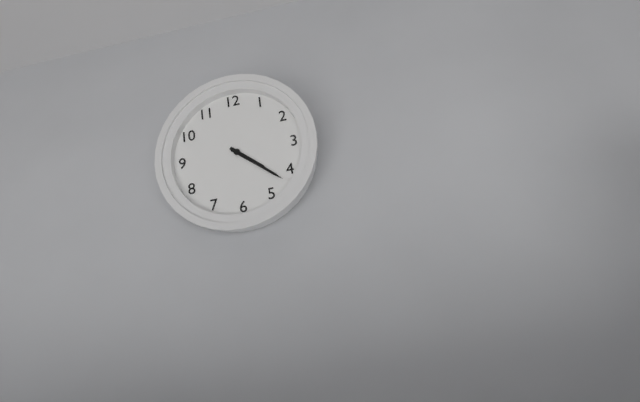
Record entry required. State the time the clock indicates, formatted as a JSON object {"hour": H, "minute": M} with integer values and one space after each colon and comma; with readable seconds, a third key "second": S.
{"hour": 4, "minute": 22}
